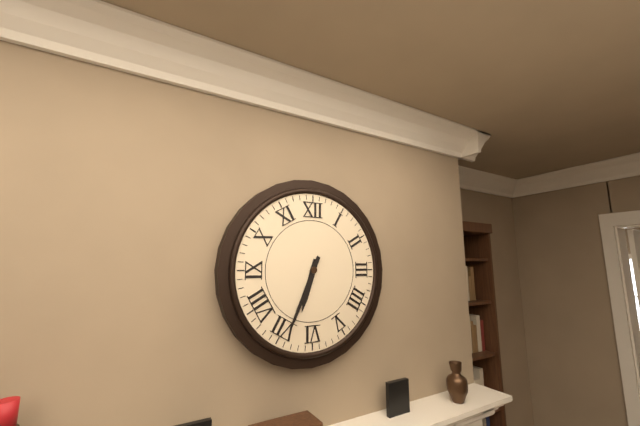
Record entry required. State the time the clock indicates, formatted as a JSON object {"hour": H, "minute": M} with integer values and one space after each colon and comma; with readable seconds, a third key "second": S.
{"hour": 6, "minute": 34}
